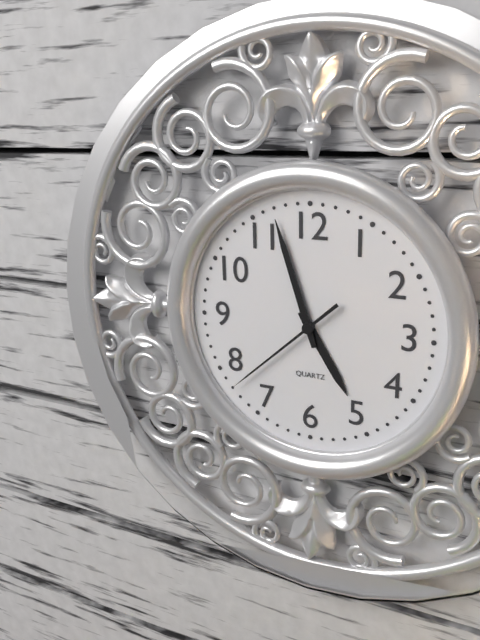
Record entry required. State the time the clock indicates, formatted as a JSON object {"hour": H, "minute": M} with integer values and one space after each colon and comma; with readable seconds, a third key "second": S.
{"hour": 4, "minute": 57, "second": 38}
